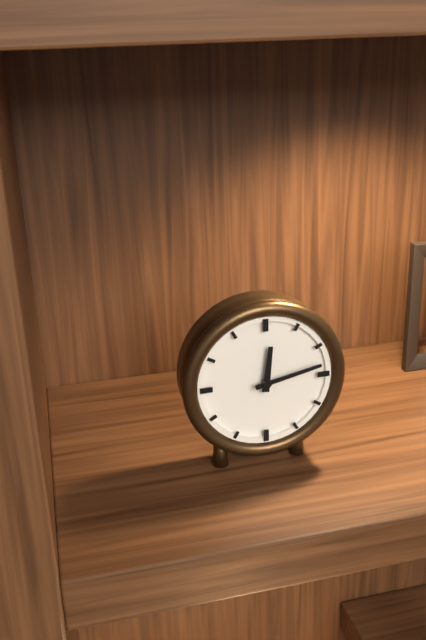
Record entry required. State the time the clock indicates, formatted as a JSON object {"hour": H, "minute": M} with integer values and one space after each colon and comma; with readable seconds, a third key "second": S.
{"hour": 12, "minute": 13}
